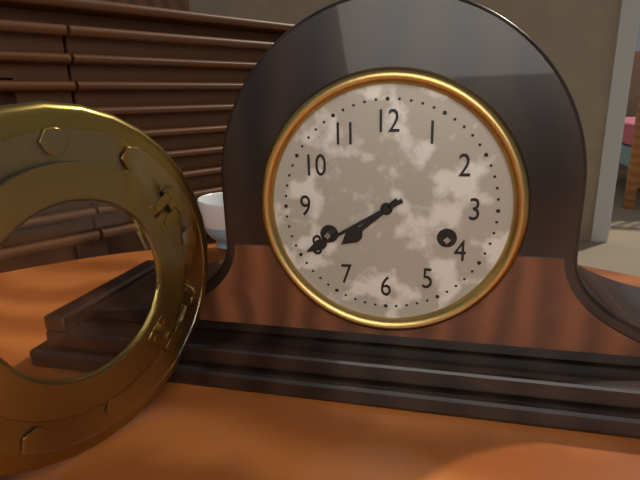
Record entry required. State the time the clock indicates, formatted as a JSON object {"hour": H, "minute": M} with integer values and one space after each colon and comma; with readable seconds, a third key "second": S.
{"hour": 7, "minute": 40}
